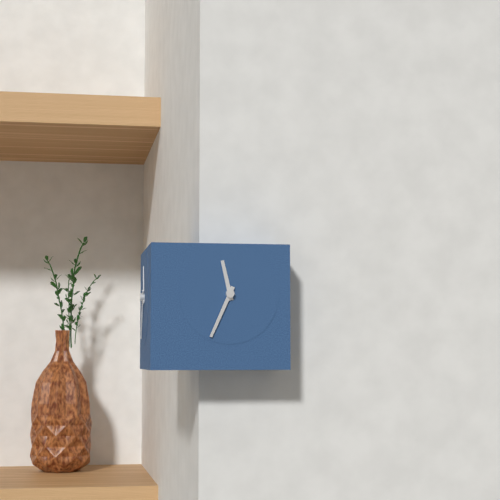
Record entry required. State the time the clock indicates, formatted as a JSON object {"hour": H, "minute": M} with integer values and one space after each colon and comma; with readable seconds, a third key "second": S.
{"hour": 11, "minute": 34}
